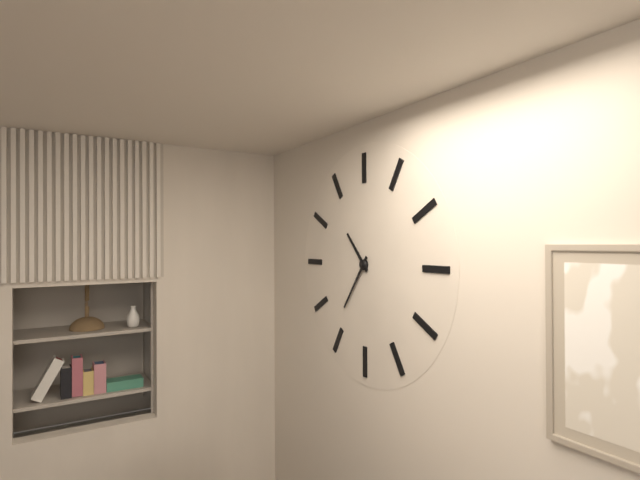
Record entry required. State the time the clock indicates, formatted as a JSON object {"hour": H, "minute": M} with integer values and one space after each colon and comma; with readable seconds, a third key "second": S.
{"hour": 10, "minute": 36}
